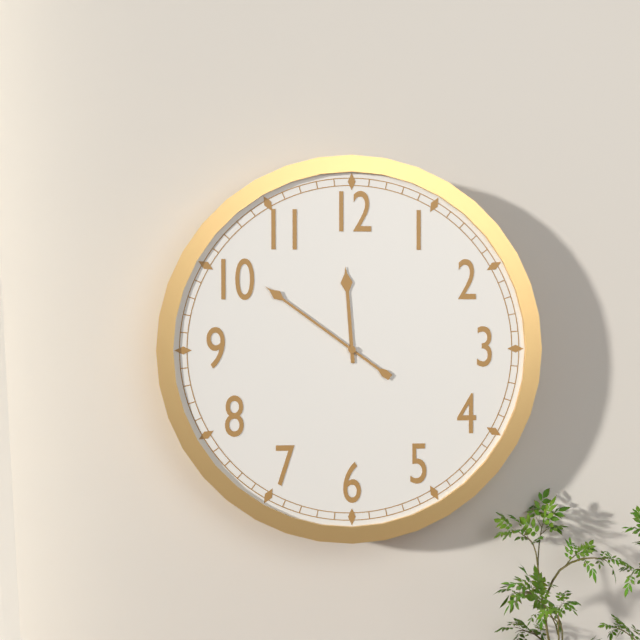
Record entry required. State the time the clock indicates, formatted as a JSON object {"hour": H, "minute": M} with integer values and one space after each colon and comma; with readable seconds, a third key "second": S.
{"hour": 11, "minute": 51}
